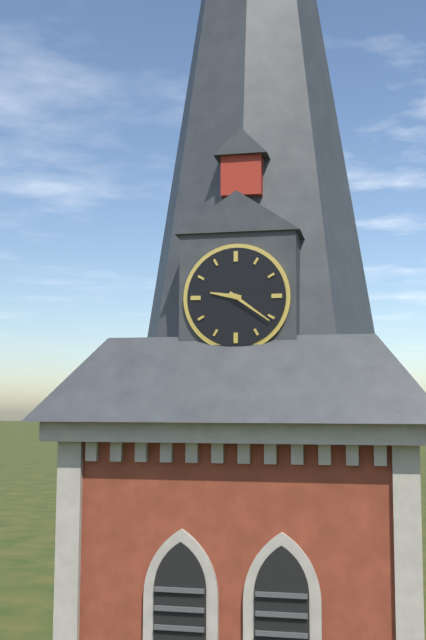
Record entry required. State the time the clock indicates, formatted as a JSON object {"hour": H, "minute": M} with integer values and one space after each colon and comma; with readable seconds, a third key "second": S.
{"hour": 9, "minute": 21}
